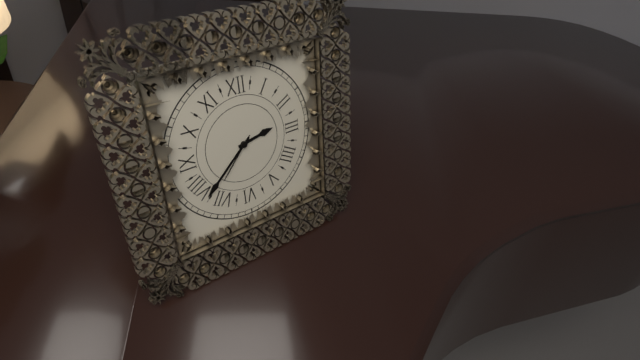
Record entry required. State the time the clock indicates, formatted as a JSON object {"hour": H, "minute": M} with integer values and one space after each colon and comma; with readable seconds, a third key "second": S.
{"hour": 2, "minute": 38, "second": 37}
